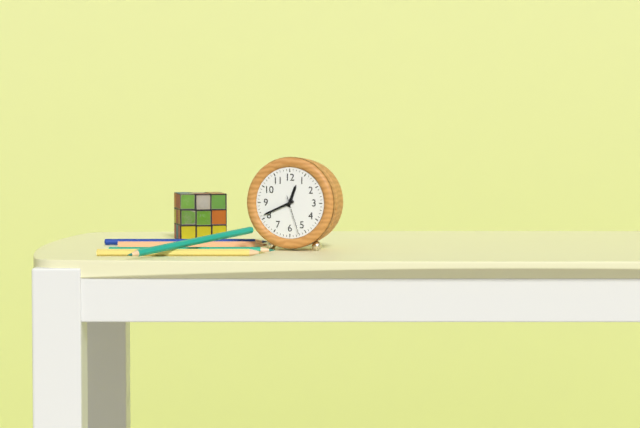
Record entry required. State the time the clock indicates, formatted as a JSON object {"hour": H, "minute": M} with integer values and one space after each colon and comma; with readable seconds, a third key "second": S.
{"hour": 12, "minute": 41}
